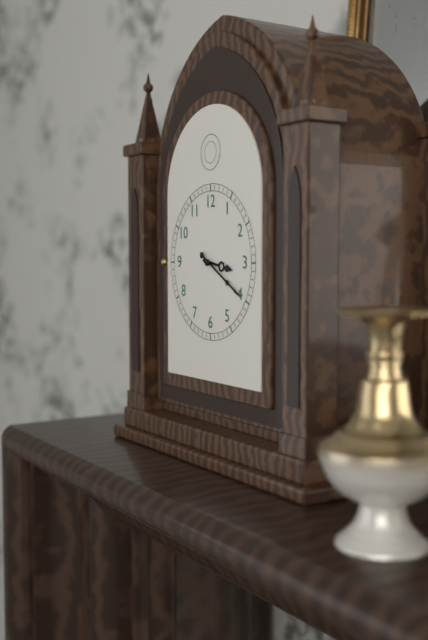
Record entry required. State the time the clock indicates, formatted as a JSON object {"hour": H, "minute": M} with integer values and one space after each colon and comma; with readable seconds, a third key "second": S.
{"hour": 3, "minute": 20}
